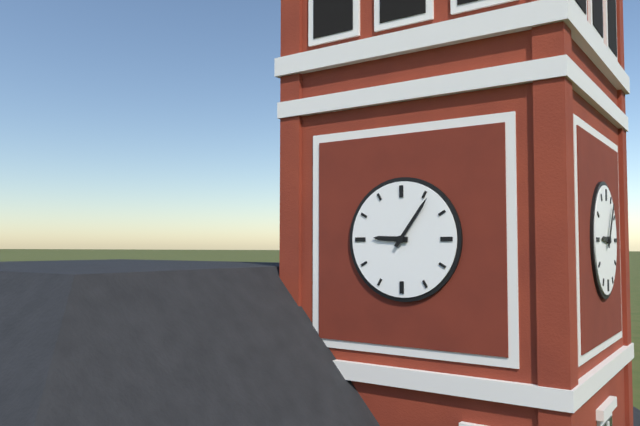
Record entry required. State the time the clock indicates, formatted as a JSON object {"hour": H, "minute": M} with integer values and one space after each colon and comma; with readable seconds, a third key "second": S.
{"hour": 9, "minute": 6}
